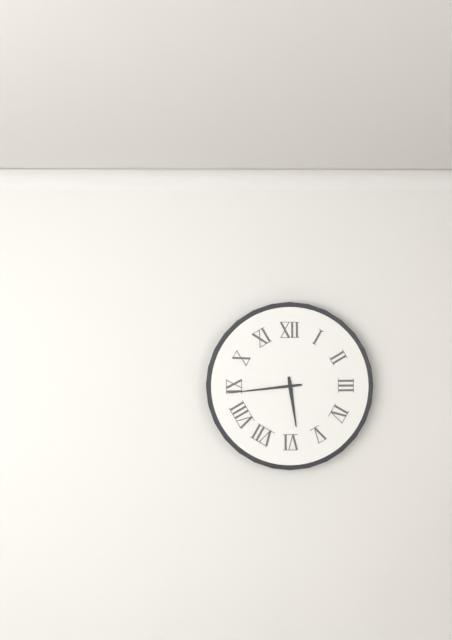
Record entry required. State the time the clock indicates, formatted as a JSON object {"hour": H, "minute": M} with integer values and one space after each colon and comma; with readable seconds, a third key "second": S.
{"hour": 5, "minute": 44}
